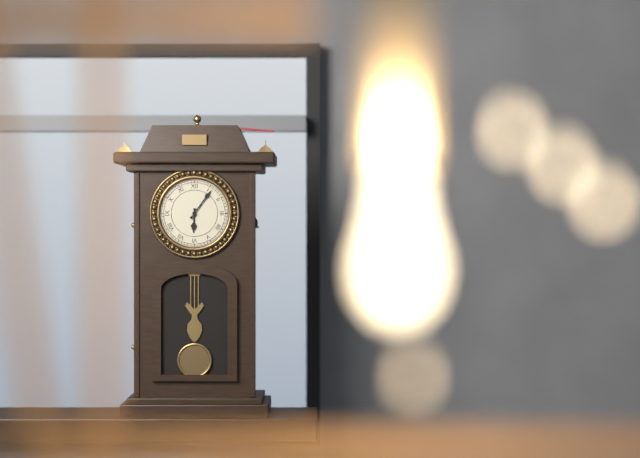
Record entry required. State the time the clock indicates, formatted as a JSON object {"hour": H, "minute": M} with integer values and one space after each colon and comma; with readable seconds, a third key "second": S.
{"hour": 6, "minute": 6}
